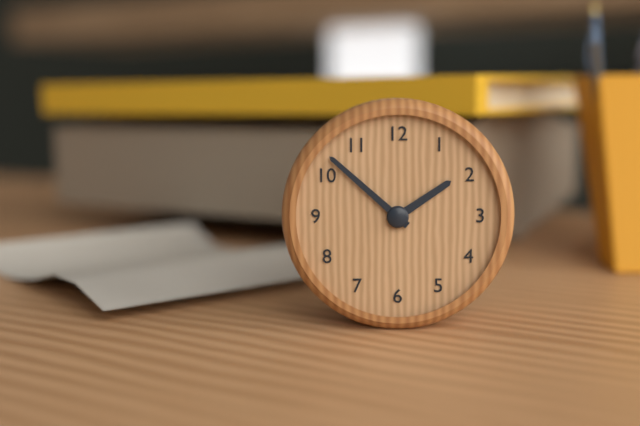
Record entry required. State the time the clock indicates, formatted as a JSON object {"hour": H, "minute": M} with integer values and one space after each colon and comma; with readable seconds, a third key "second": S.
{"hour": 1, "minute": 52}
